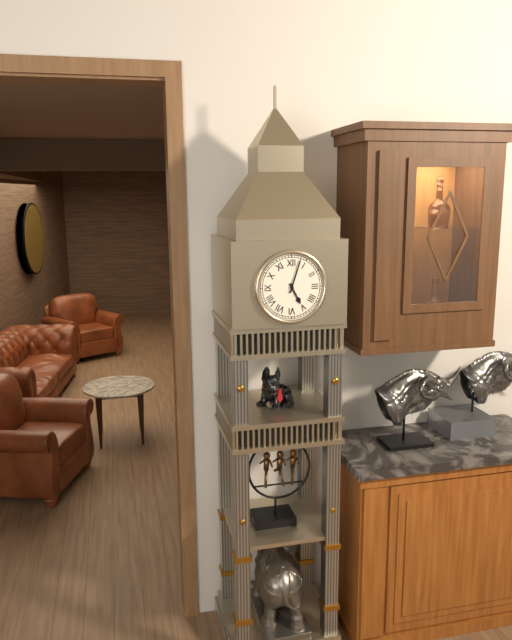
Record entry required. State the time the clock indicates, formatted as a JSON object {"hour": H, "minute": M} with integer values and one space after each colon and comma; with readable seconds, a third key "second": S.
{"hour": 5, "minute": 3}
